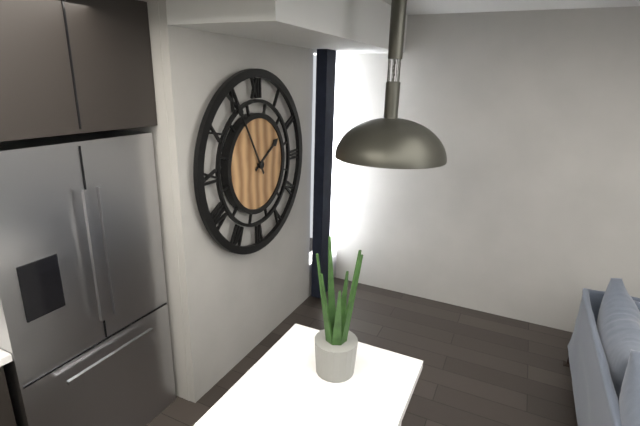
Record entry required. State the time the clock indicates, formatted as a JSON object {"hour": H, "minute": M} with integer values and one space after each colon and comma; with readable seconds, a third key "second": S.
{"hour": 1, "minute": 55}
